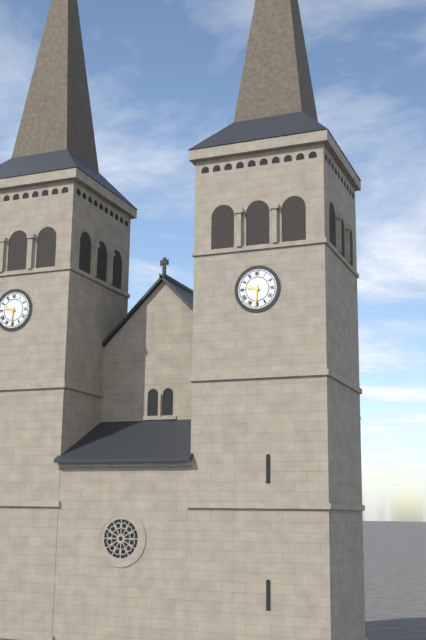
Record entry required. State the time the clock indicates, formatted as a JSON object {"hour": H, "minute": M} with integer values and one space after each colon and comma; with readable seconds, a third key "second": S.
{"hour": 9, "minute": 31}
